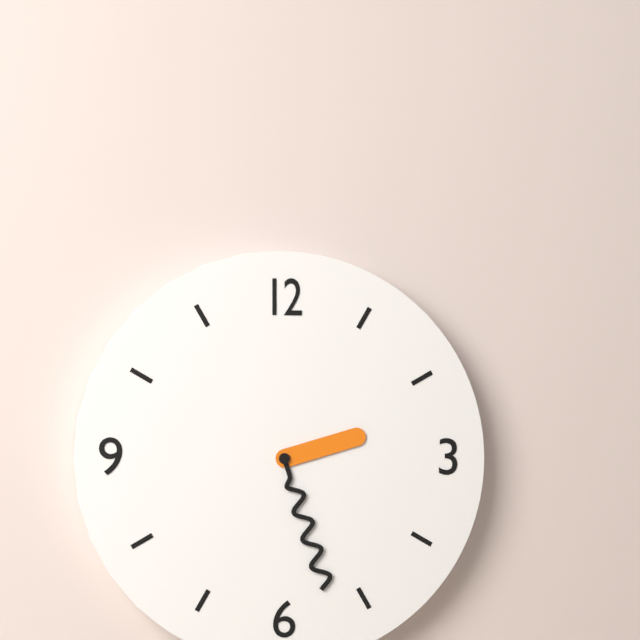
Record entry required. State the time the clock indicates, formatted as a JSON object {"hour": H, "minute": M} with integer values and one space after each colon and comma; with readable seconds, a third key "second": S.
{"hour": 2, "minute": 27}
